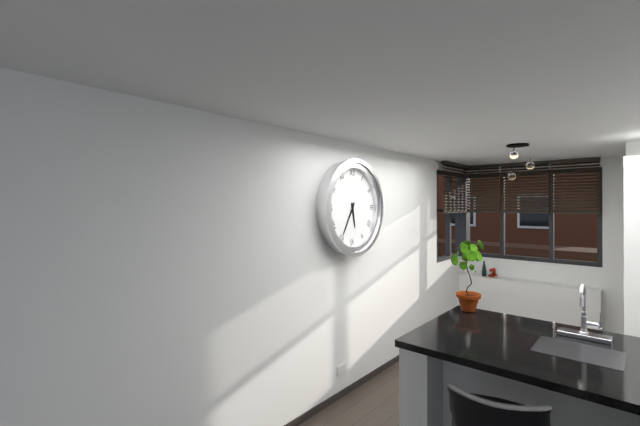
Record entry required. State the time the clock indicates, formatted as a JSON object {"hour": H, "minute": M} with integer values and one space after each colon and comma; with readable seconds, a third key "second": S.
{"hour": 5, "minute": 35}
